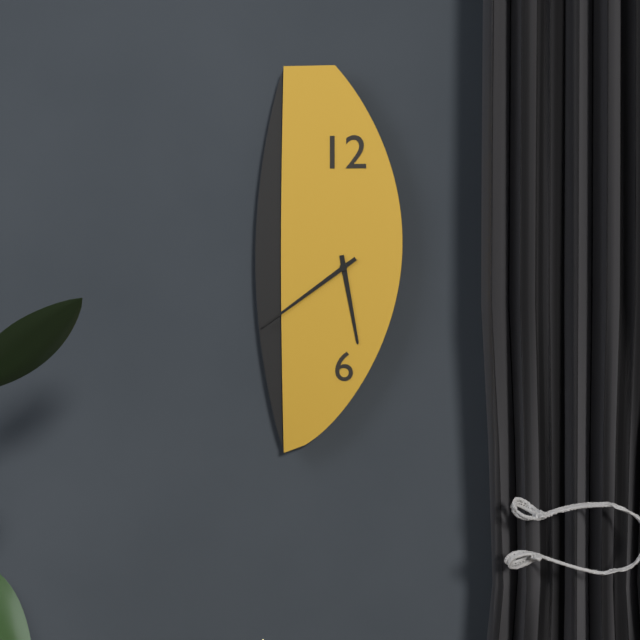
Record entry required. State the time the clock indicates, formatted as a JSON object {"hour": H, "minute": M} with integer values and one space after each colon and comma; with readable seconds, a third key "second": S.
{"hour": 5, "minute": 39}
